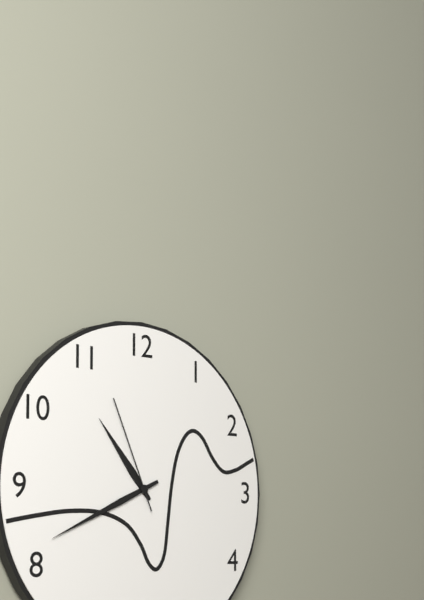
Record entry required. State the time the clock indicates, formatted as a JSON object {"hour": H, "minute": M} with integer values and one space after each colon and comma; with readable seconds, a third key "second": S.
{"hour": 10, "minute": 41, "second": 56}
